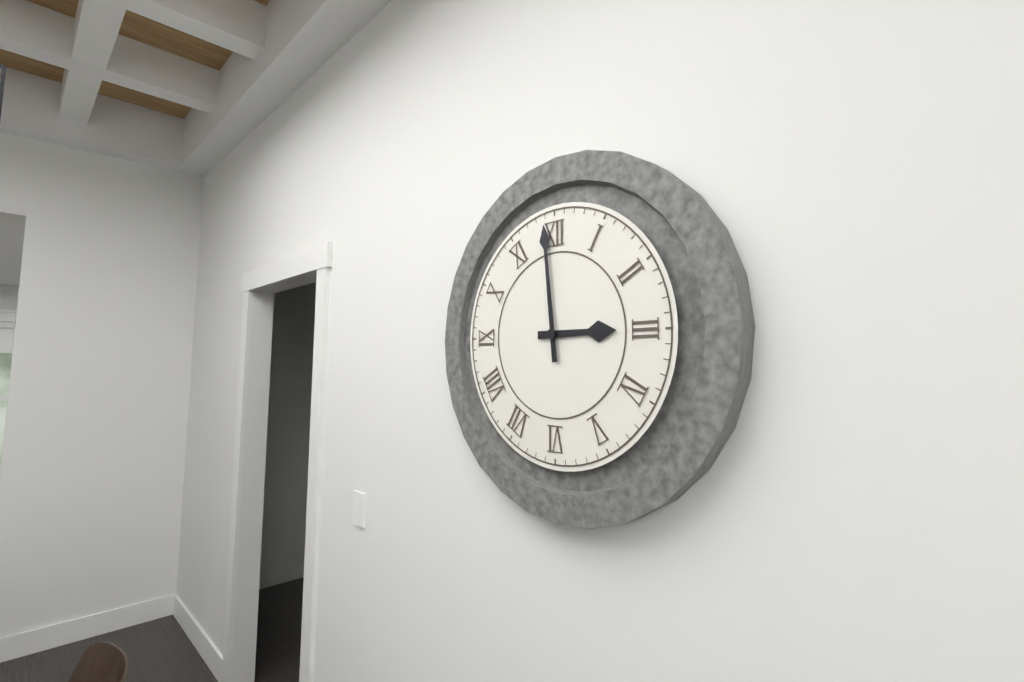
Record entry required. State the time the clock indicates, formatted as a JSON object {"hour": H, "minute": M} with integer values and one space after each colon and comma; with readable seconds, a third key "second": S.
{"hour": 2, "minute": 59}
